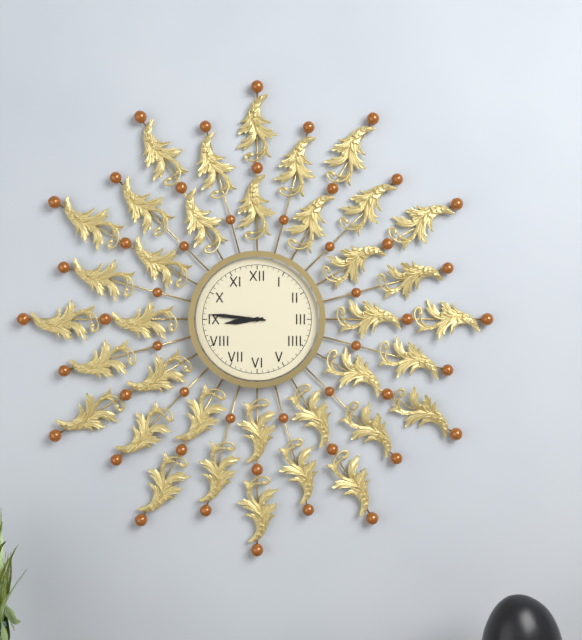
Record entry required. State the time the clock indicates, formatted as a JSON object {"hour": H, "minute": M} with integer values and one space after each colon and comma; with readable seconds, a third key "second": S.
{"hour": 8, "minute": 46}
